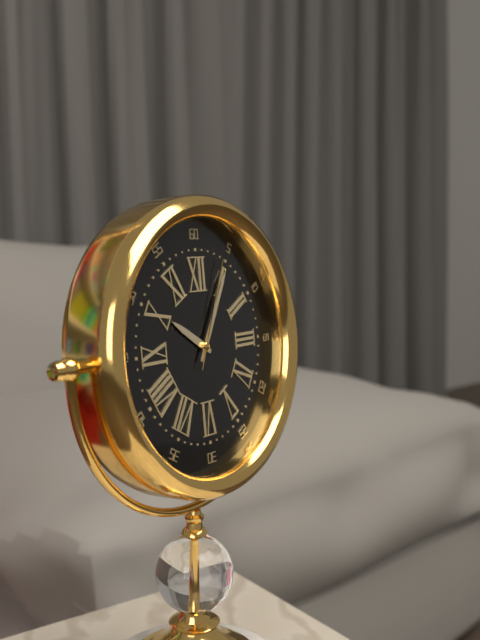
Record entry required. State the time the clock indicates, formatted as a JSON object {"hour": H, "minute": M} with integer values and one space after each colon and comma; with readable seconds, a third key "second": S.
{"hour": 10, "minute": 5, "second": 4}
